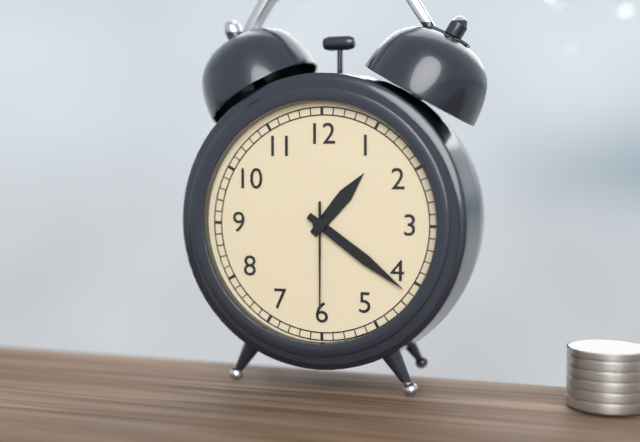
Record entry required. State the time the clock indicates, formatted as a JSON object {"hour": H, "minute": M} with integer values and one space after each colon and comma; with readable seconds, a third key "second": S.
{"hour": 1, "minute": 21, "second": 30}
